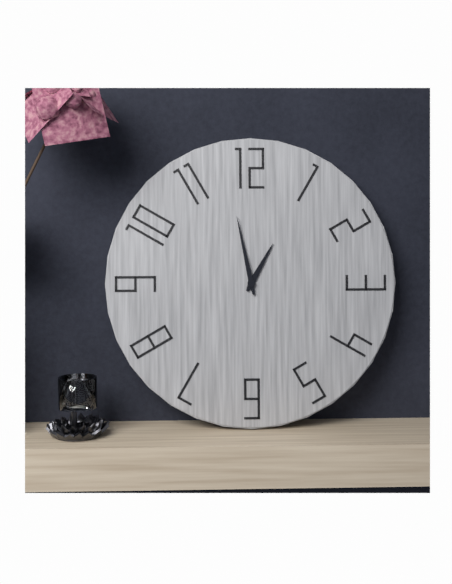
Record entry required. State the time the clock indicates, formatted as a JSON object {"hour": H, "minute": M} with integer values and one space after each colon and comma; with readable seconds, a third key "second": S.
{"hour": 12, "minute": 58}
